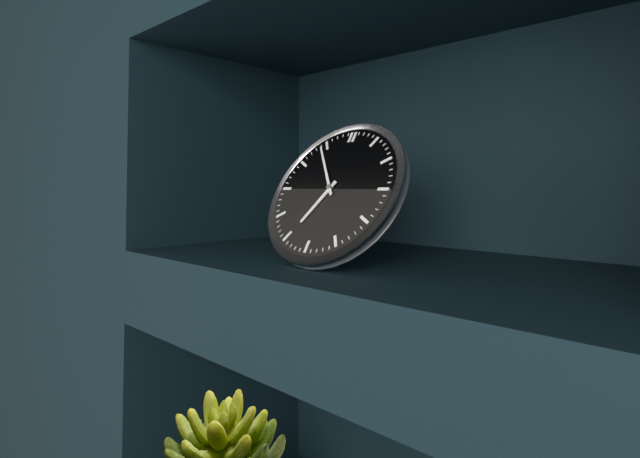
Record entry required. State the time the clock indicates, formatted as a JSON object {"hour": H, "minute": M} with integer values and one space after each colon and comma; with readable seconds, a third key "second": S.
{"hour": 6, "minute": 54}
